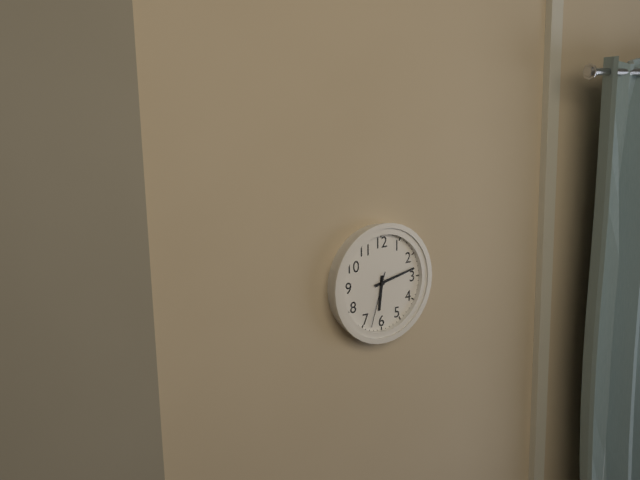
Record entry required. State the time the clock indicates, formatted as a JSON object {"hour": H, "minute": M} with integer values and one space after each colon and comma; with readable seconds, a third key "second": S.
{"hour": 6, "minute": 13, "second": 33}
